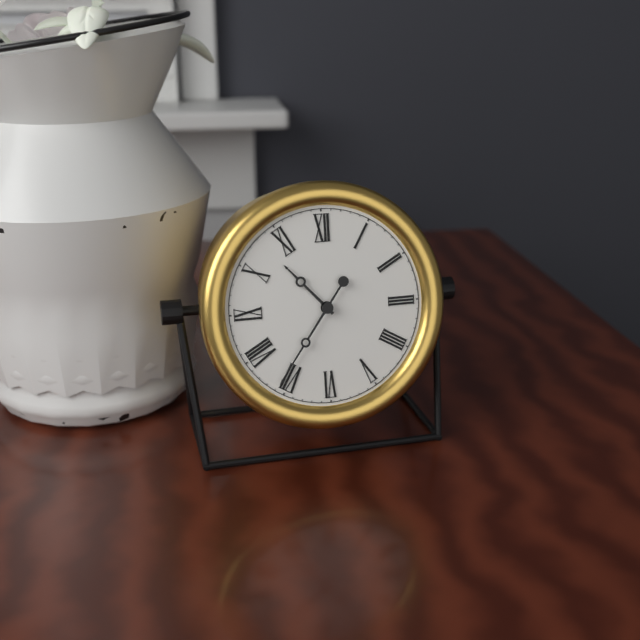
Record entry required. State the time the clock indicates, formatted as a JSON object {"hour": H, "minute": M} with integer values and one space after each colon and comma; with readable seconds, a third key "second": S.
{"hour": 10, "minute": 36}
